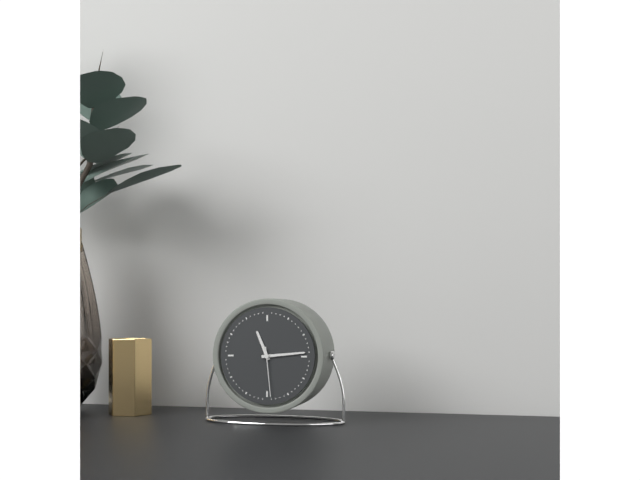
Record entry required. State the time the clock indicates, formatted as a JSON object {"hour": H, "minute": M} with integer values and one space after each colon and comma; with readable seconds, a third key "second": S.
{"hour": 11, "minute": 14, "second": 29}
